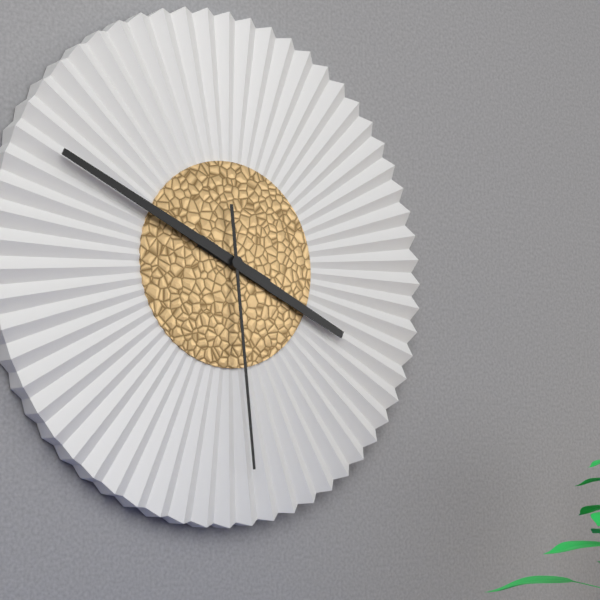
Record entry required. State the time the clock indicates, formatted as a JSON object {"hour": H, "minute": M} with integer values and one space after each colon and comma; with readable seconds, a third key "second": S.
{"hour": 3, "minute": 49, "second": 29}
